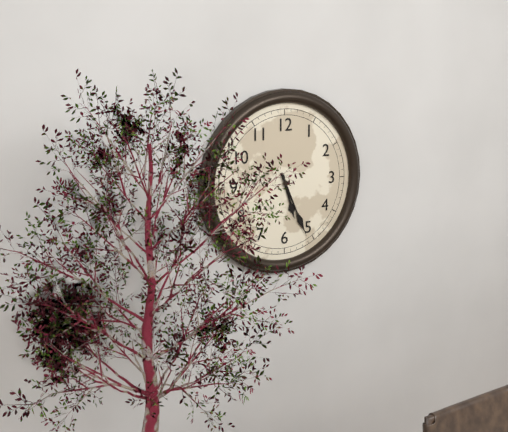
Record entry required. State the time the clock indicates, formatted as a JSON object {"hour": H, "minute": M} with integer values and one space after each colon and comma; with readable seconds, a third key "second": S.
{"hour": 5, "minute": 26}
